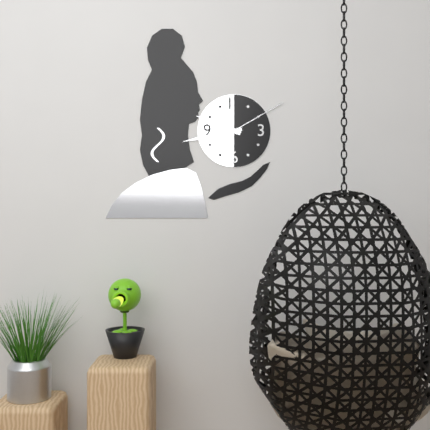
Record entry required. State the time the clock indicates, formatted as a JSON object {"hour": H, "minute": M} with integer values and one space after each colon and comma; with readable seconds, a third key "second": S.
{"hour": 9, "minute": 43, "second": 10}
